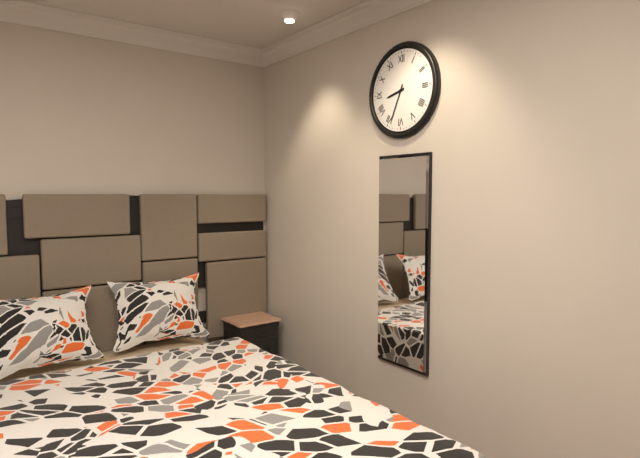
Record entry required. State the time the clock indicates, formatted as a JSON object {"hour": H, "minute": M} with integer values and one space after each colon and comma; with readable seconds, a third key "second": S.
{"hour": 8, "minute": 34}
